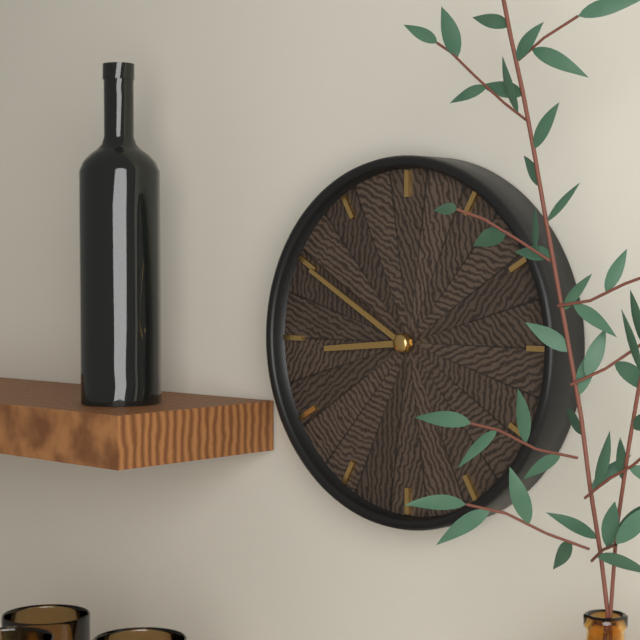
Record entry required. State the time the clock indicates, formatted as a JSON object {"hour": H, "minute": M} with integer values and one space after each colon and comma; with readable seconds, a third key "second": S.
{"hour": 8, "minute": 50}
